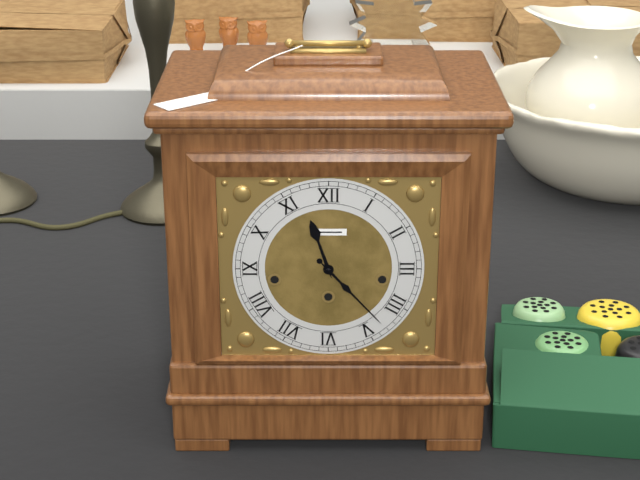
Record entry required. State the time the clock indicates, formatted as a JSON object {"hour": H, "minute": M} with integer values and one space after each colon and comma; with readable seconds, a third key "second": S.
{"hour": 11, "minute": 23}
